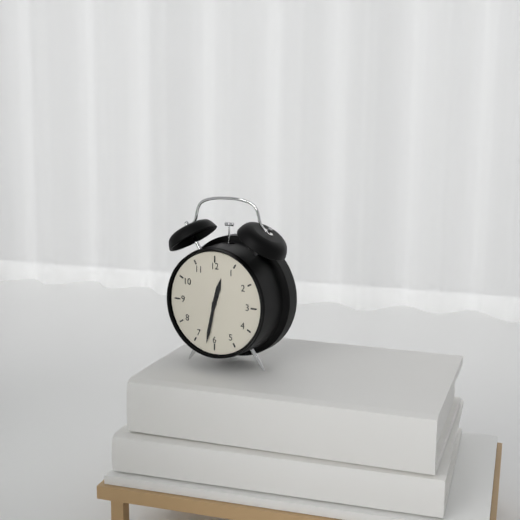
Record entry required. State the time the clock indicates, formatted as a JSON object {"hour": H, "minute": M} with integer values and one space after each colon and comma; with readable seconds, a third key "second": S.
{"hour": 12, "minute": 32}
